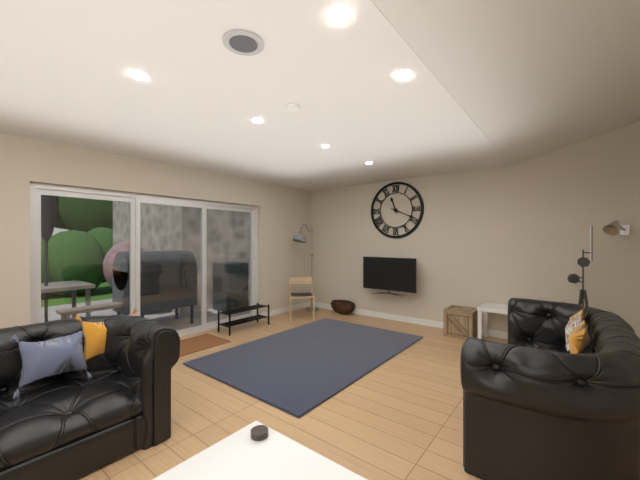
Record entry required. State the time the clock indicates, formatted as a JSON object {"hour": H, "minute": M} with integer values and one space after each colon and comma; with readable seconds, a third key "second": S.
{"hour": 11, "minute": 19}
